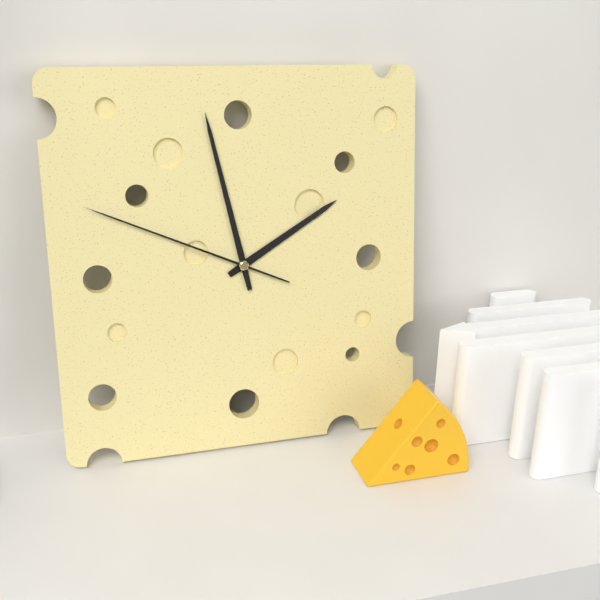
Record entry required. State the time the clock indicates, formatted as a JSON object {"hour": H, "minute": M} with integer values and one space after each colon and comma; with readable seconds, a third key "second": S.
{"hour": 1, "minute": 58, "second": 49}
